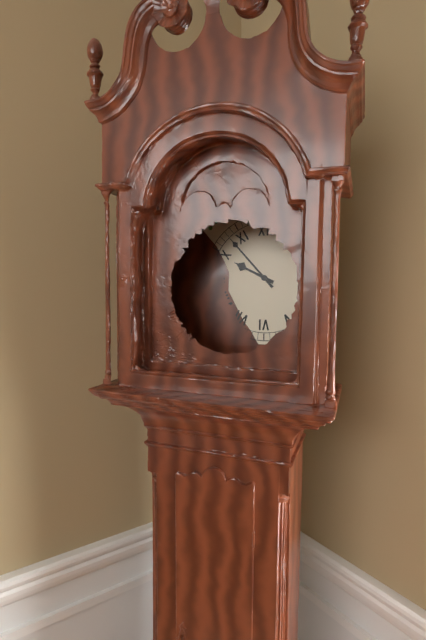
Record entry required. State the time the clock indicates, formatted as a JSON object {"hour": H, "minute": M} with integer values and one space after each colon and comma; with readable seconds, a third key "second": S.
{"hour": 9, "minute": 53}
